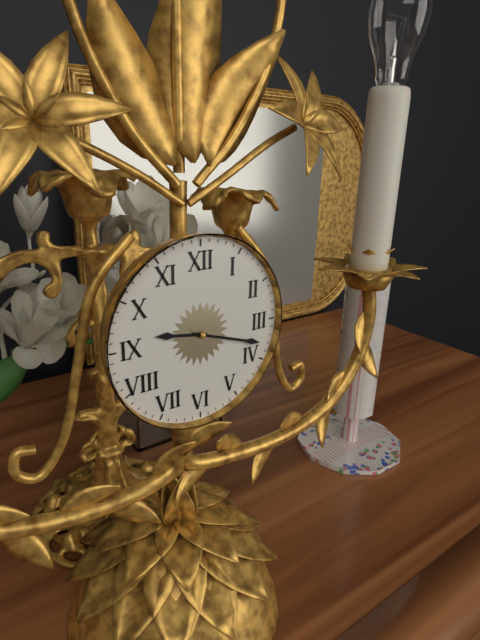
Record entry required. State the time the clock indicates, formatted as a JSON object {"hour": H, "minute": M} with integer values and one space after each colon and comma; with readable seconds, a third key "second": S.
{"hour": 9, "minute": 18}
